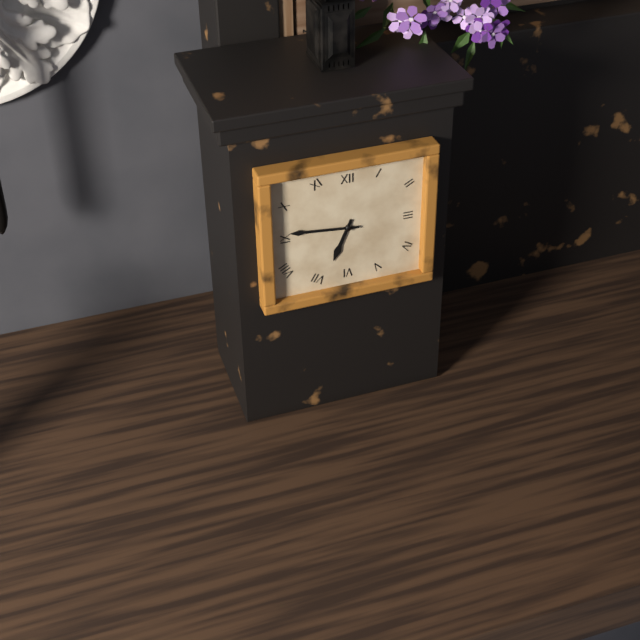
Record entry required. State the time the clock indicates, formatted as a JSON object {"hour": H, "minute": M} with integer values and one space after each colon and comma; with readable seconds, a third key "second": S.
{"hour": 6, "minute": 46}
